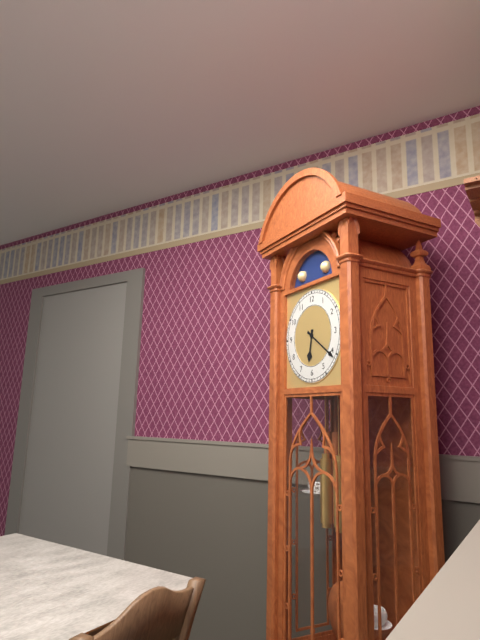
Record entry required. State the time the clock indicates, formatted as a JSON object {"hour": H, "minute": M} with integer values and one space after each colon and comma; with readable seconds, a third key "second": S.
{"hour": 6, "minute": 21}
